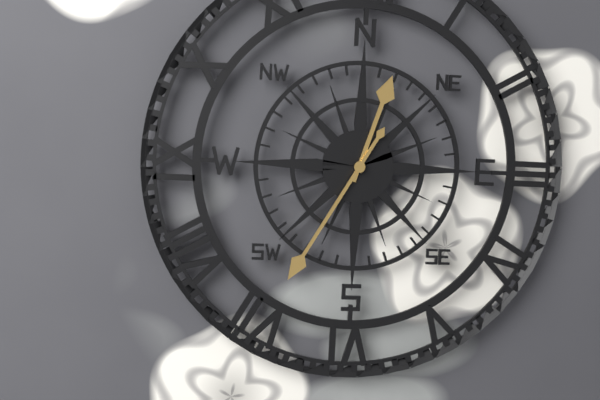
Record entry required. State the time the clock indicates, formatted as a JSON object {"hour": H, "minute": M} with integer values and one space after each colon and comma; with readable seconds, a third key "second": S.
{"hour": 12, "minute": 35}
